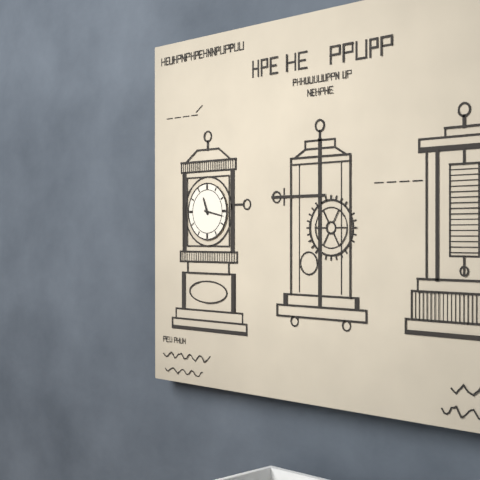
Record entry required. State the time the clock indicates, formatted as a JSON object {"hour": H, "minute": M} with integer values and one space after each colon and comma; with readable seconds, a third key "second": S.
{"hour": 11, "minute": 17}
